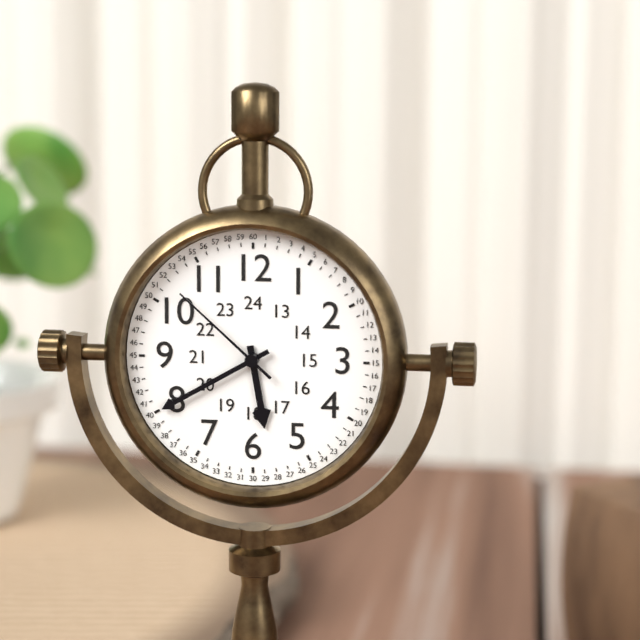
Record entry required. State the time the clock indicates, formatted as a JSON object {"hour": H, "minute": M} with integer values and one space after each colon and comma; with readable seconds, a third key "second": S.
{"hour": 5, "minute": 40, "second": 52}
